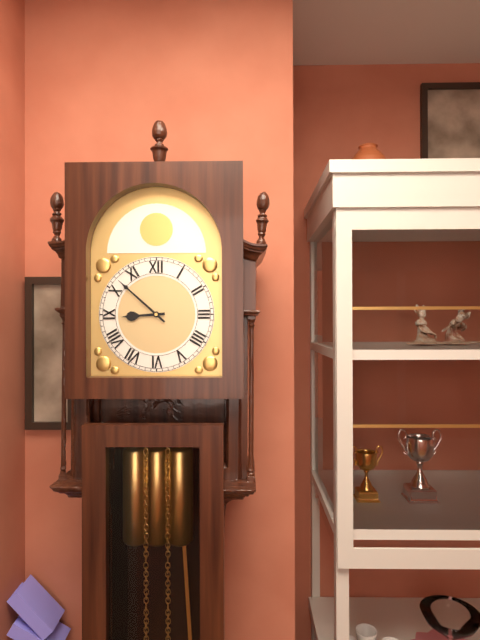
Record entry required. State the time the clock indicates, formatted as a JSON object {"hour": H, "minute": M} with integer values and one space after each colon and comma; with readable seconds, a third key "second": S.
{"hour": 8, "minute": 52}
